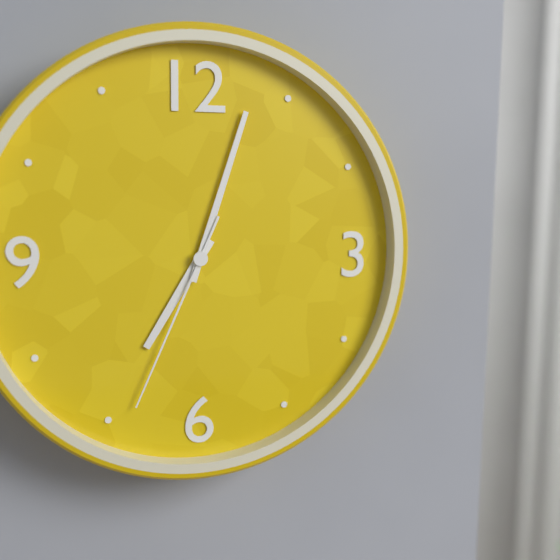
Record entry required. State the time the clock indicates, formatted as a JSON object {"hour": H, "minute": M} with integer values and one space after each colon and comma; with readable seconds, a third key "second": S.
{"hour": 7, "minute": 3, "second": 34}
